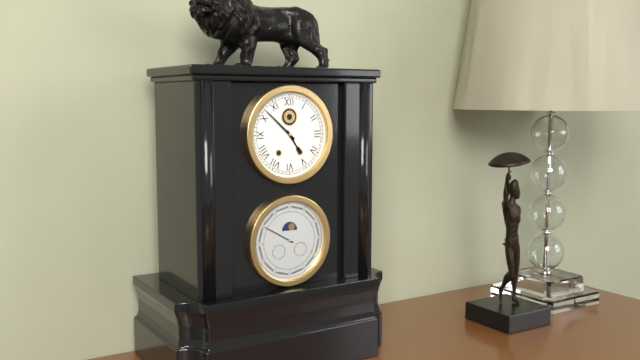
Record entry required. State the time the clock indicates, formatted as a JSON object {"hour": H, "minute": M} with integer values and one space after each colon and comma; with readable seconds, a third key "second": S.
{"hour": 4, "minute": 52}
